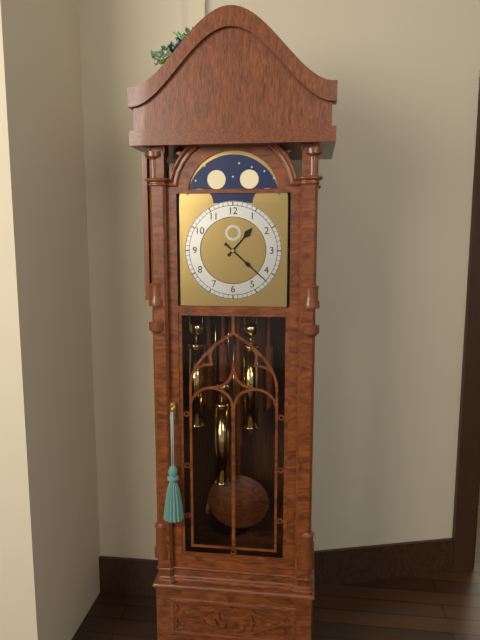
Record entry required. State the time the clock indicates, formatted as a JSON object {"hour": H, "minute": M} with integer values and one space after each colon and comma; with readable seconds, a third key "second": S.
{"hour": 1, "minute": 22}
